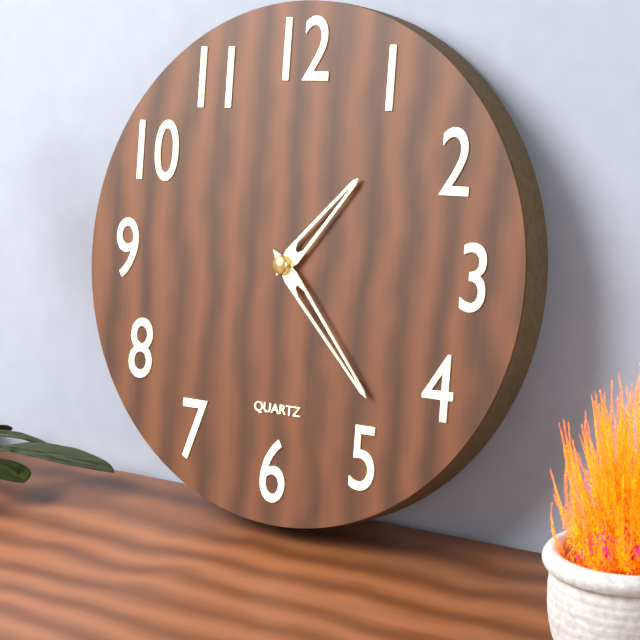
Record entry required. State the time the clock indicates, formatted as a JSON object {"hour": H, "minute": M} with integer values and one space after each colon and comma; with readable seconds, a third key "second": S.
{"hour": 1, "minute": 23}
